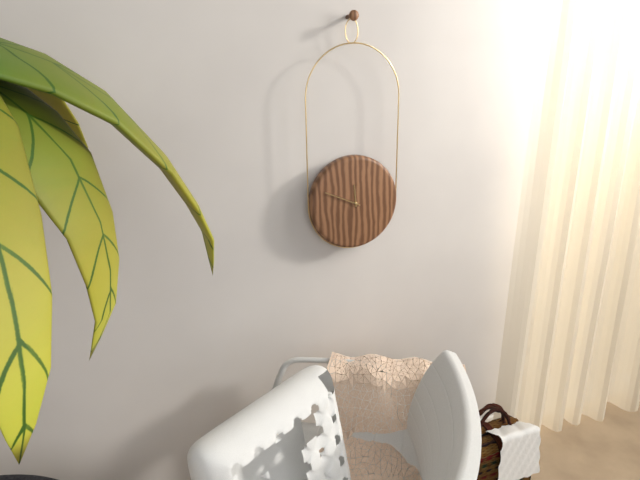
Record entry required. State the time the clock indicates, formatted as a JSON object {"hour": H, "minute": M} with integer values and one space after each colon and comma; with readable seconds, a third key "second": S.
{"hour": 11, "minute": 49}
